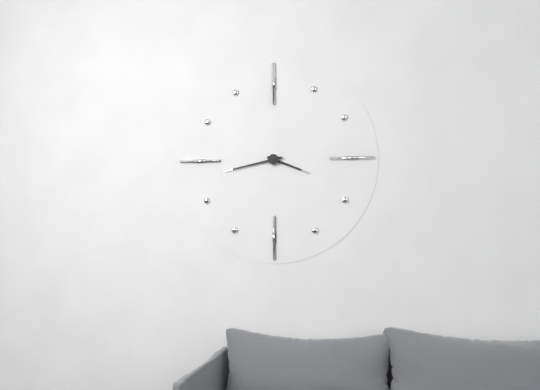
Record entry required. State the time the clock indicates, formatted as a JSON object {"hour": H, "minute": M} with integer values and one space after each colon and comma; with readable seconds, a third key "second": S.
{"hour": 3, "minute": 43}
